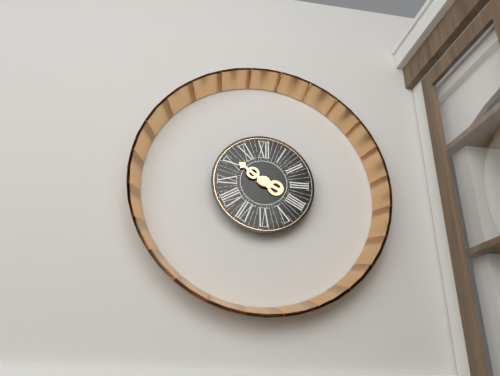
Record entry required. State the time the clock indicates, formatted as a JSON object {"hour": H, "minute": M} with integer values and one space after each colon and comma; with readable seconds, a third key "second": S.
{"hour": 3, "minute": 51}
